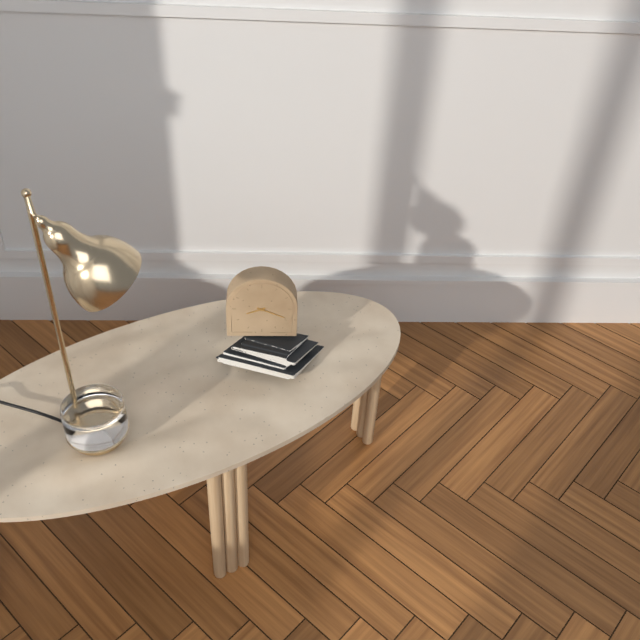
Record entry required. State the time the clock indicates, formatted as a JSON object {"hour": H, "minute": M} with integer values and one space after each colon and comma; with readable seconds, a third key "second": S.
{"hour": 8, "minute": 19}
